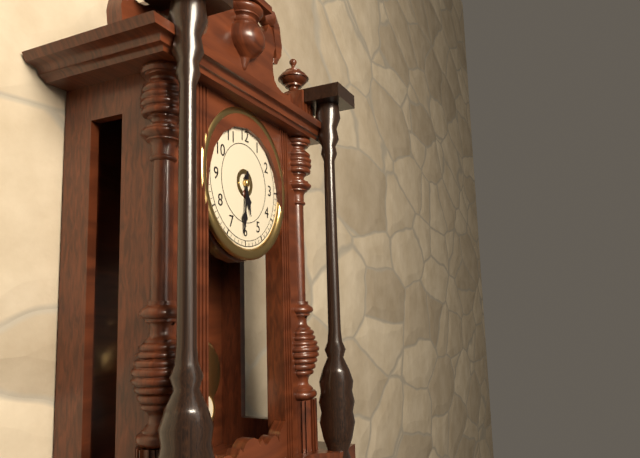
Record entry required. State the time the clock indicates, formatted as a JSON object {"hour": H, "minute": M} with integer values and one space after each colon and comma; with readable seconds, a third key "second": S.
{"hour": 5, "minute": 31}
